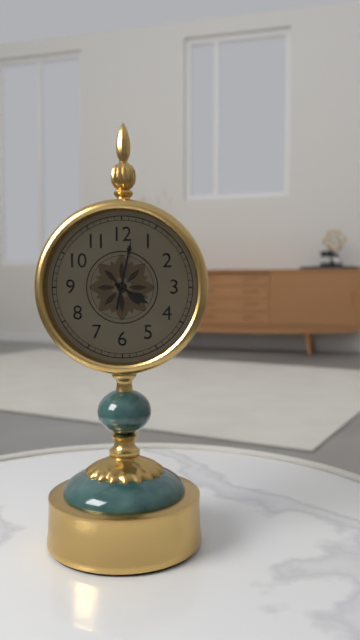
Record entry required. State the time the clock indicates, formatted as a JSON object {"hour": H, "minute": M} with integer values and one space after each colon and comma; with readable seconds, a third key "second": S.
{"hour": 4, "minute": 2}
